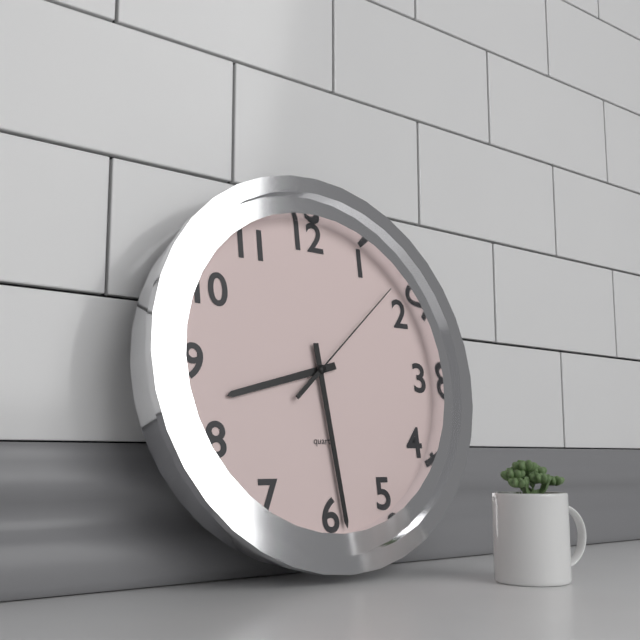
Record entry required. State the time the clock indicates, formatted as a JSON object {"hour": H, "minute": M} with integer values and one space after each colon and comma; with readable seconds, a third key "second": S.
{"hour": 8, "minute": 29, "second": 8}
